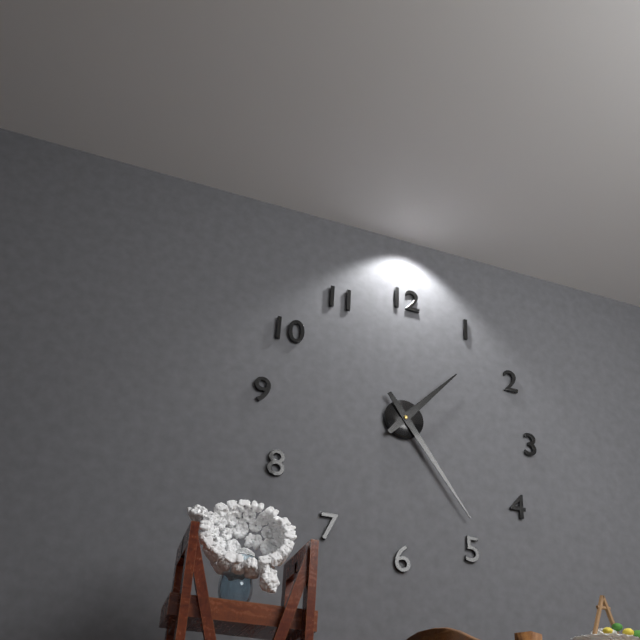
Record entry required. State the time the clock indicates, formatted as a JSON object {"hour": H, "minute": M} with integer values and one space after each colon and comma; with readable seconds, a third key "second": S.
{"hour": 1, "minute": 24}
